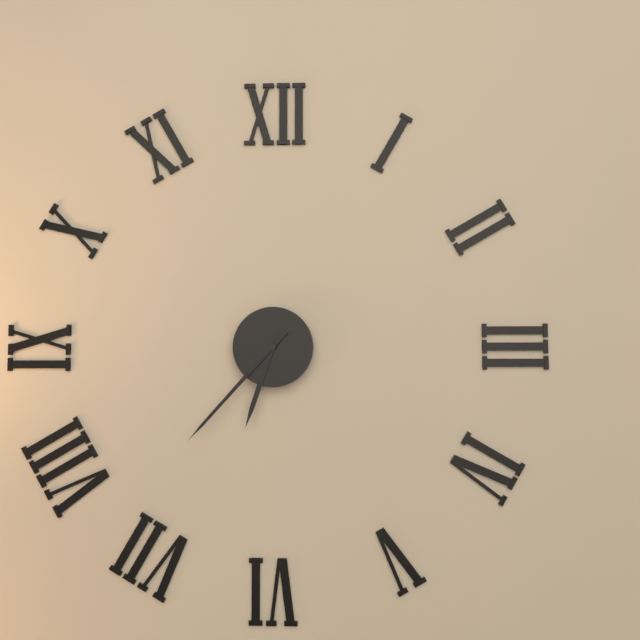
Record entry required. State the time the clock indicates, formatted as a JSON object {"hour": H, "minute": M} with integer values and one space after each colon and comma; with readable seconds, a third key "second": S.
{"hour": 6, "minute": 37}
